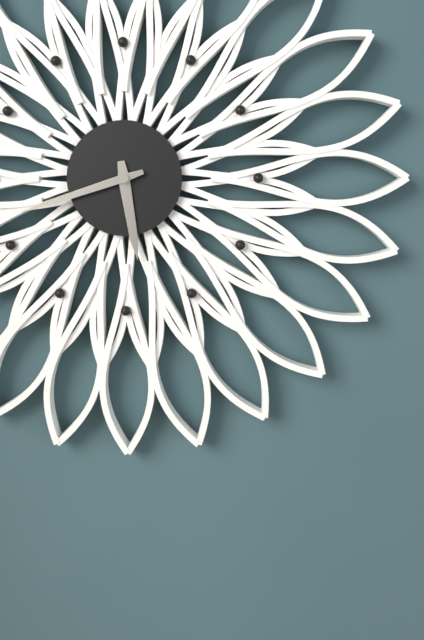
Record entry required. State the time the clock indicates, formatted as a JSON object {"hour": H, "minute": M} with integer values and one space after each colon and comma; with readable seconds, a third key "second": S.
{"hour": 5, "minute": 42}
